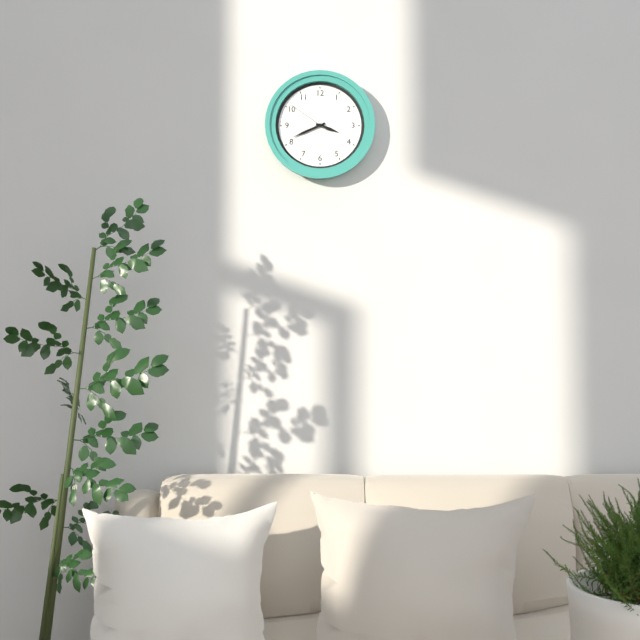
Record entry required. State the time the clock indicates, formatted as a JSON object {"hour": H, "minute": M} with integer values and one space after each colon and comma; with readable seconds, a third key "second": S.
{"hour": 3, "minute": 41}
